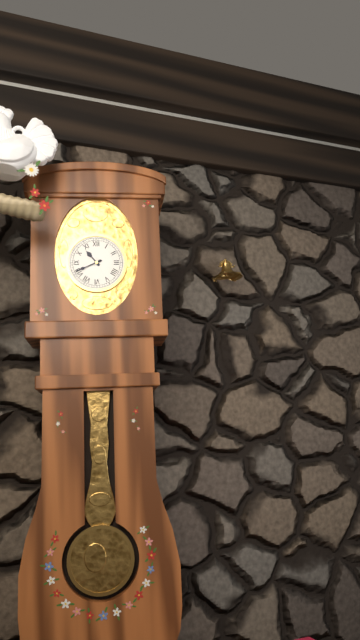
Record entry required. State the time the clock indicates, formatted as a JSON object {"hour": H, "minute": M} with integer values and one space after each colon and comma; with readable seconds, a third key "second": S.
{"hour": 10, "minute": 41}
